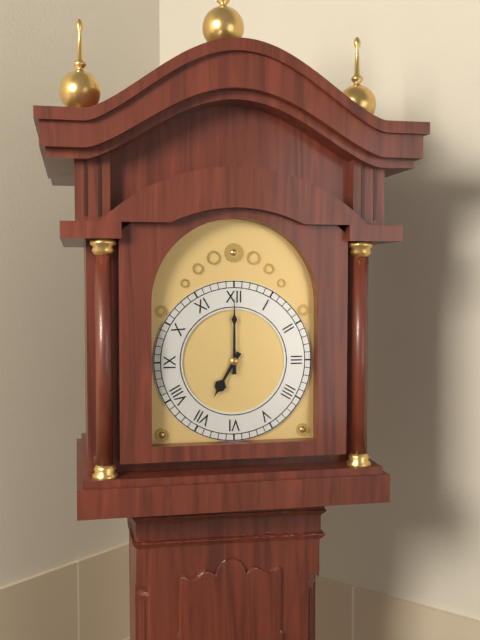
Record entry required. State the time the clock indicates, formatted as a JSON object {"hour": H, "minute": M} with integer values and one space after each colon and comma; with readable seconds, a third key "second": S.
{"hour": 7, "minute": 0}
